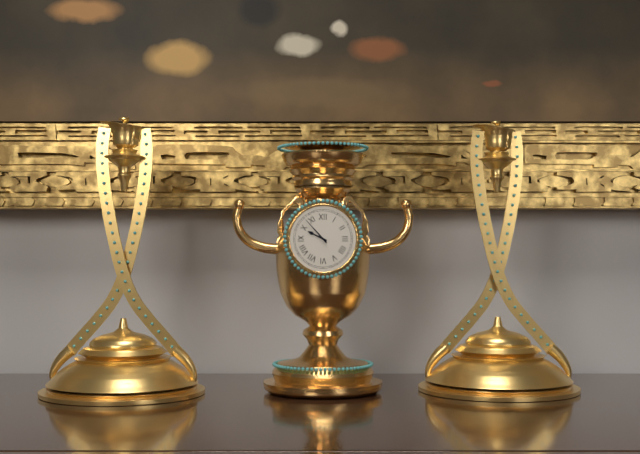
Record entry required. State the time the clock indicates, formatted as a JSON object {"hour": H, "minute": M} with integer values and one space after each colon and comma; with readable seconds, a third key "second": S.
{"hour": 9, "minute": 53}
